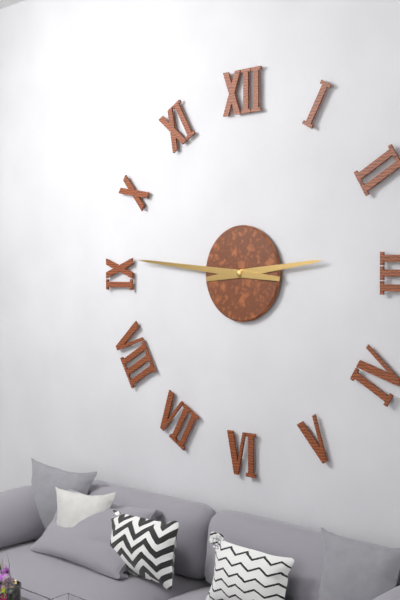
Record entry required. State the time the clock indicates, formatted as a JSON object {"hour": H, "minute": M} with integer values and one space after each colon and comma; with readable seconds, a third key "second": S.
{"hour": 2, "minute": 46}
